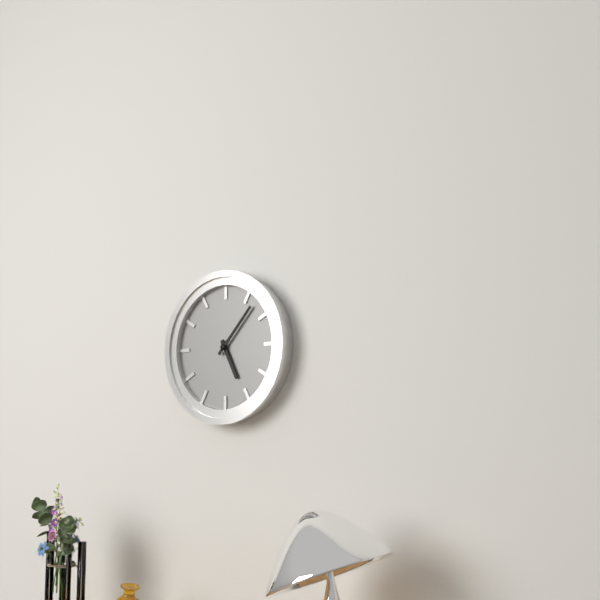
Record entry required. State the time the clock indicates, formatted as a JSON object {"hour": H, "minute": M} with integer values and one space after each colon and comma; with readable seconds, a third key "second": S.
{"hour": 5, "minute": 7}
